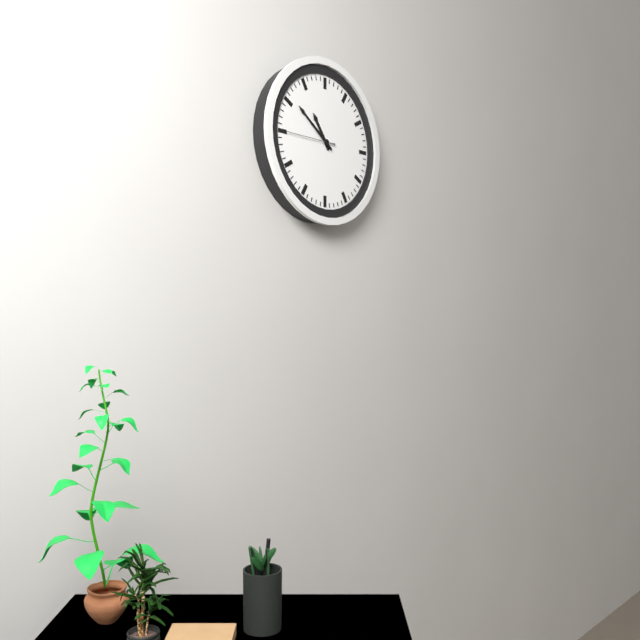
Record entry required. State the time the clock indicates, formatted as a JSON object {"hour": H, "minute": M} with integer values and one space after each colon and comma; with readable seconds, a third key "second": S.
{"hour": 10, "minute": 51, "second": 45}
